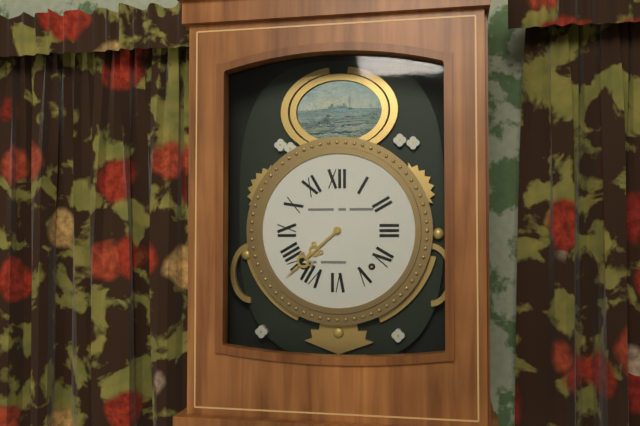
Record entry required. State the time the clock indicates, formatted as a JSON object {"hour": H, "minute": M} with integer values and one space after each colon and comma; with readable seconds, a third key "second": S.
{"hour": 7, "minute": 38}
